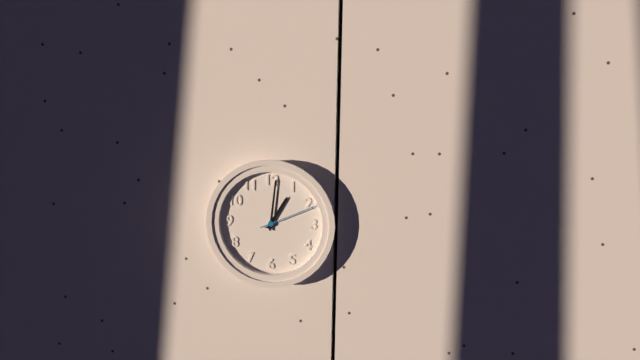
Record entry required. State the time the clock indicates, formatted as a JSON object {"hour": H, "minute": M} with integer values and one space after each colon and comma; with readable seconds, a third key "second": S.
{"hour": 1, "minute": 1, "second": 11}
